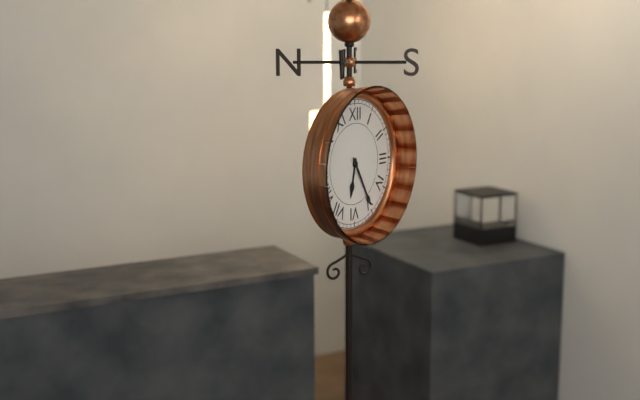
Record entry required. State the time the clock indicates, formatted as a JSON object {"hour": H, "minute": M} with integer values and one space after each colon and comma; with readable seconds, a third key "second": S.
{"hour": 6, "minute": 25}
